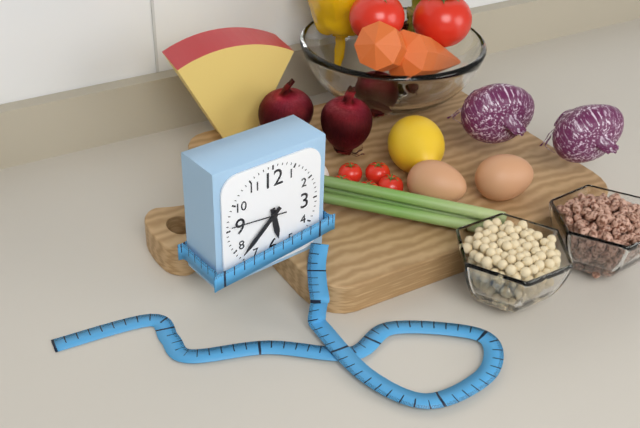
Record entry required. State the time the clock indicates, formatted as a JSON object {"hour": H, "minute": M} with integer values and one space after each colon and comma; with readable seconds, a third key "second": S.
{"hour": 5, "minute": 38, "second": 46}
